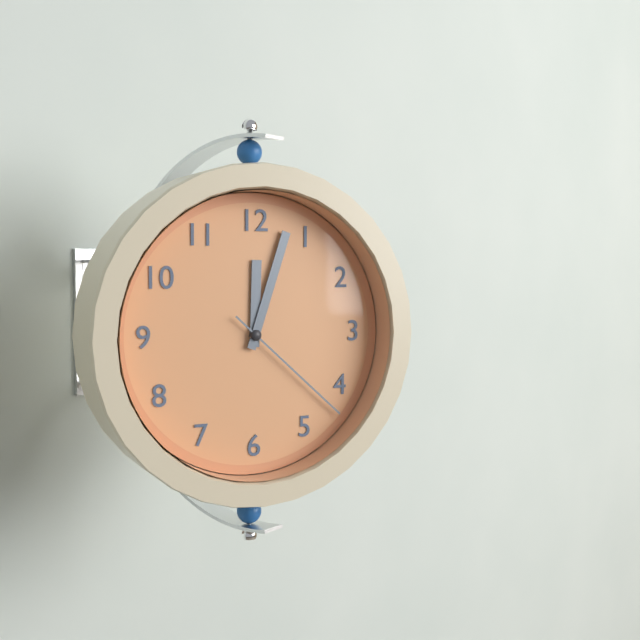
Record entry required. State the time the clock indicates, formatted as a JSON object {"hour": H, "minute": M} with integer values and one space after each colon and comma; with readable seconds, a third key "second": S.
{"hour": 12, "minute": 3, "second": 22}
